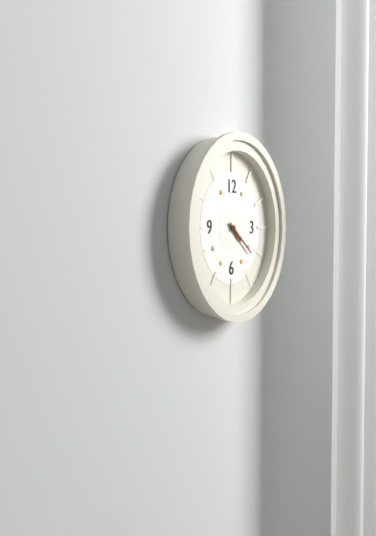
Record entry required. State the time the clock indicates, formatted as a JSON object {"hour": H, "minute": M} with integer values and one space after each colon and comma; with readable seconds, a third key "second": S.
{"hour": 4, "minute": 21}
